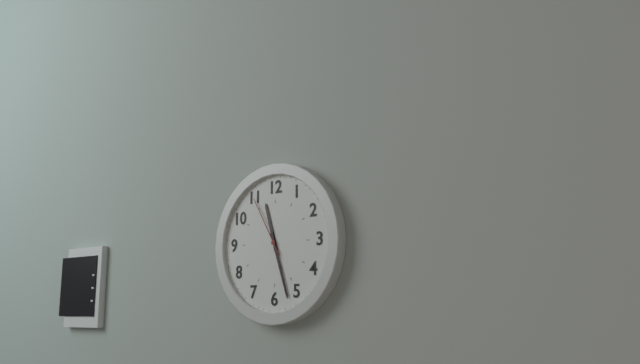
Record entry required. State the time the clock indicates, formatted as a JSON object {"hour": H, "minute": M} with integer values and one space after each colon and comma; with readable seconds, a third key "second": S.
{"hour": 11, "minute": 27, "second": 55}
